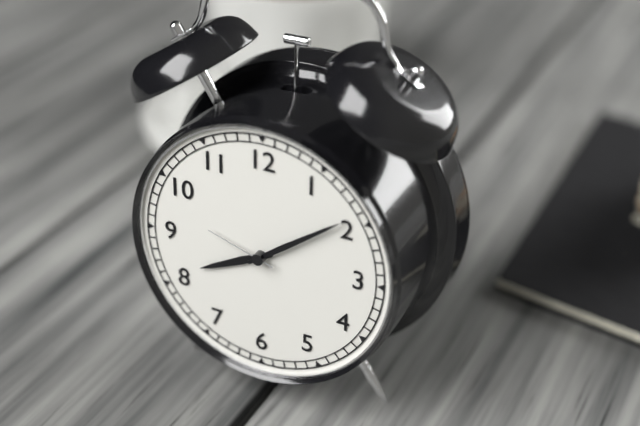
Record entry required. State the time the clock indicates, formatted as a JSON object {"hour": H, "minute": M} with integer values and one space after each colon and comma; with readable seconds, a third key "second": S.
{"hour": 8, "minute": 9, "second": 48}
